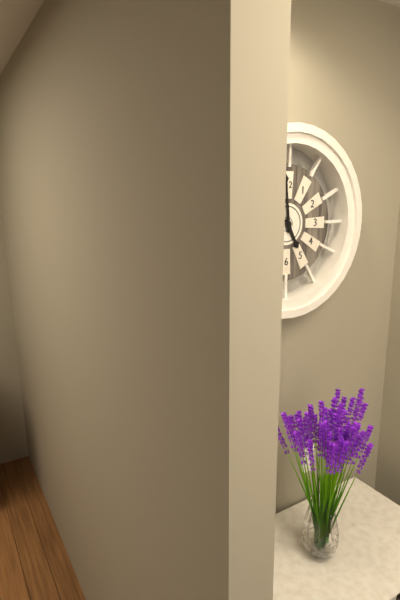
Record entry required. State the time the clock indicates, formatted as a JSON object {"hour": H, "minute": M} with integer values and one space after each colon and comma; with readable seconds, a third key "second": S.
{"hour": 4, "minute": 59}
